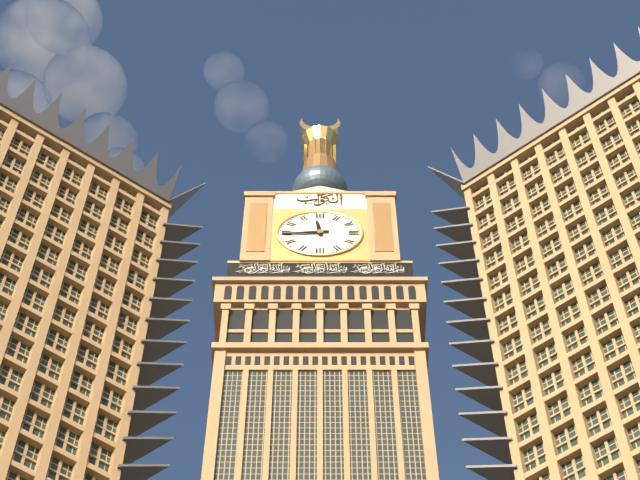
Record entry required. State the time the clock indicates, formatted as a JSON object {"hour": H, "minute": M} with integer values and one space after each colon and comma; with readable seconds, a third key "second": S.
{"hour": 11, "minute": 44}
